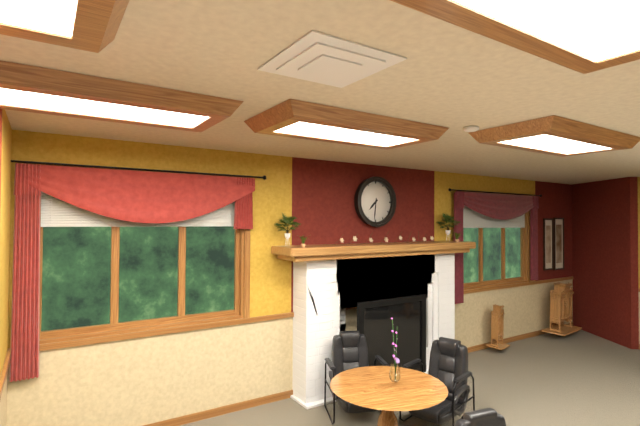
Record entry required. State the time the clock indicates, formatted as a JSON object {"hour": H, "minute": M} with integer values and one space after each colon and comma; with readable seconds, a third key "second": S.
{"hour": 7, "minute": 31}
